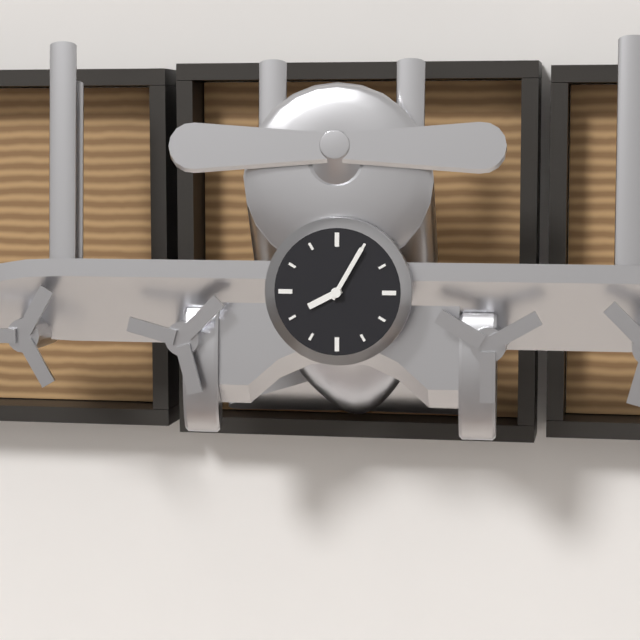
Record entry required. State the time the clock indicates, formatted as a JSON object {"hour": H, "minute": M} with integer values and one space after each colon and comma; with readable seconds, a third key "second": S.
{"hour": 8, "minute": 5}
